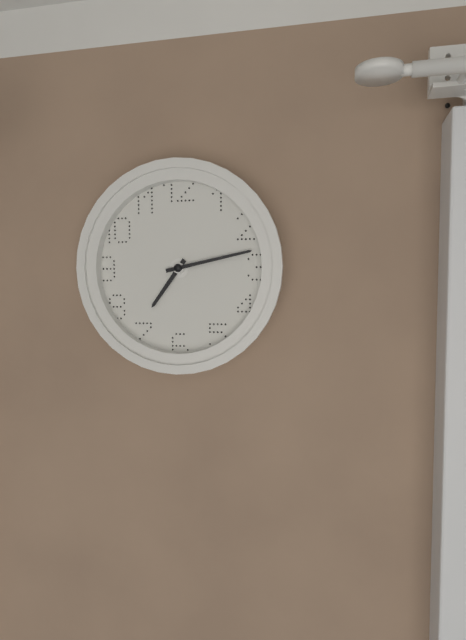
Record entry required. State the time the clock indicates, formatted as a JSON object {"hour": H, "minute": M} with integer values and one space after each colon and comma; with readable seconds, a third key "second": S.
{"hour": 7, "minute": 13}
